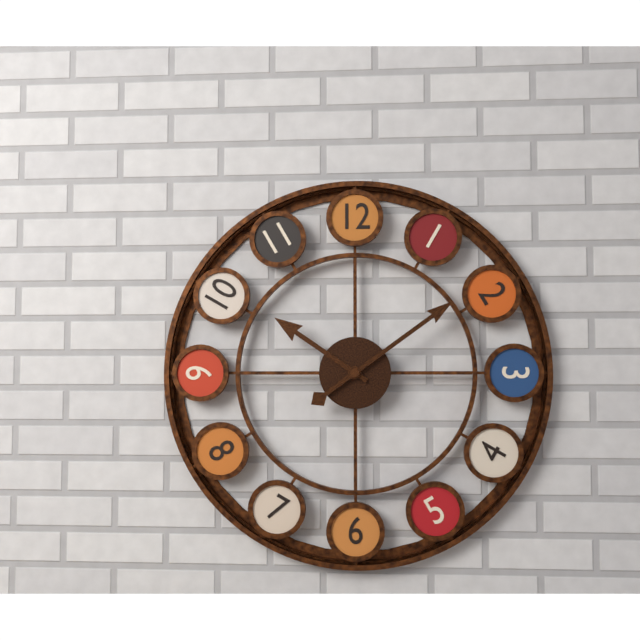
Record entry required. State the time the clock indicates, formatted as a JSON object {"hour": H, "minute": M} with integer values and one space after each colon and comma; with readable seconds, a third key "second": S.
{"hour": 10, "minute": 9}
